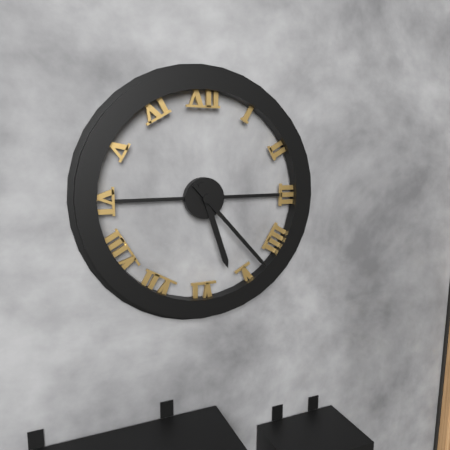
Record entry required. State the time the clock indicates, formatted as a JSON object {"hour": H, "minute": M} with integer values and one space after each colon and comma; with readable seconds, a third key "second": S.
{"hour": 5, "minute": 23}
